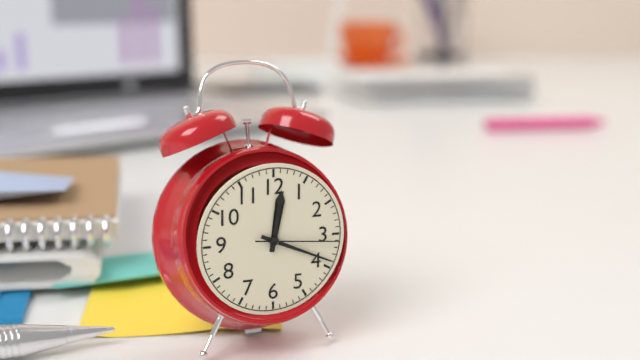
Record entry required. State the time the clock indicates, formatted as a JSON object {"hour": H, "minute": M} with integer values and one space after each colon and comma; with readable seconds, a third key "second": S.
{"hour": 12, "minute": 19, "second": 16}
